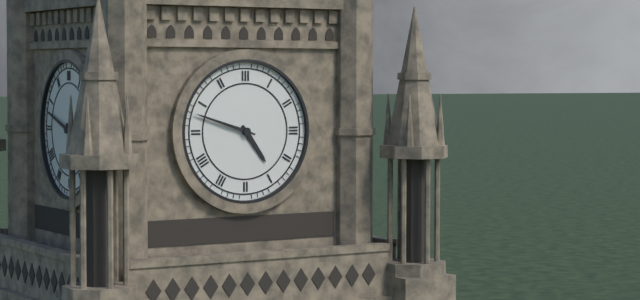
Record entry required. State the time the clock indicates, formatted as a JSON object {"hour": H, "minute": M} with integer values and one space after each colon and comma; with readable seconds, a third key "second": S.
{"hour": 4, "minute": 48}
